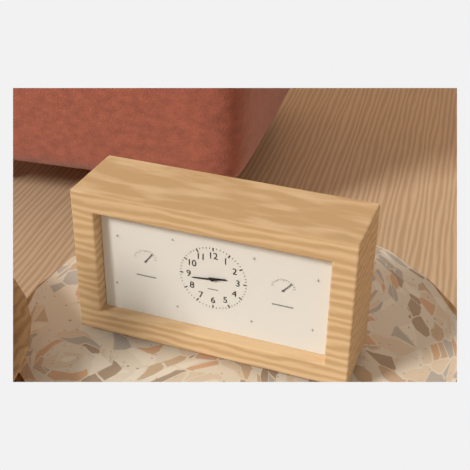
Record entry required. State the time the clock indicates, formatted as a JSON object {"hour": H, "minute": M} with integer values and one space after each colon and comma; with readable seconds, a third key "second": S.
{"hour": 2, "minute": 44}
